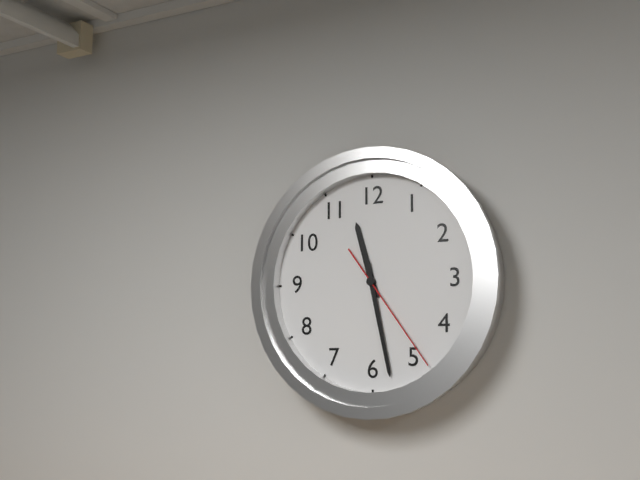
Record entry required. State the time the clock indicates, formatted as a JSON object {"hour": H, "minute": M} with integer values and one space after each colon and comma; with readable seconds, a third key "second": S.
{"hour": 11, "minute": 28, "second": 24}
